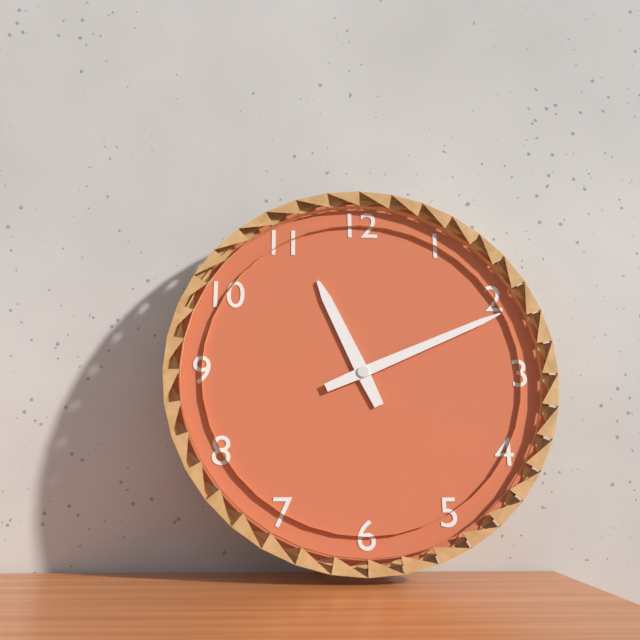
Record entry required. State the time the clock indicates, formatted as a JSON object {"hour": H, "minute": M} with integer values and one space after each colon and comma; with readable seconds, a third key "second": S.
{"hour": 11, "minute": 11}
